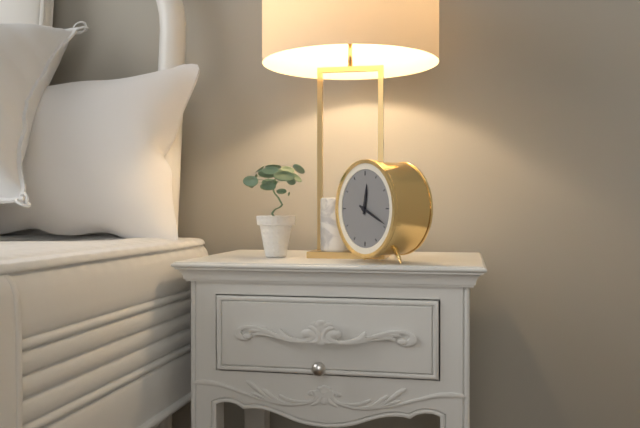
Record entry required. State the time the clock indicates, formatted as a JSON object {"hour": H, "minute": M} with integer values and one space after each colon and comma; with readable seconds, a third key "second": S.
{"hour": 12, "minute": 19}
